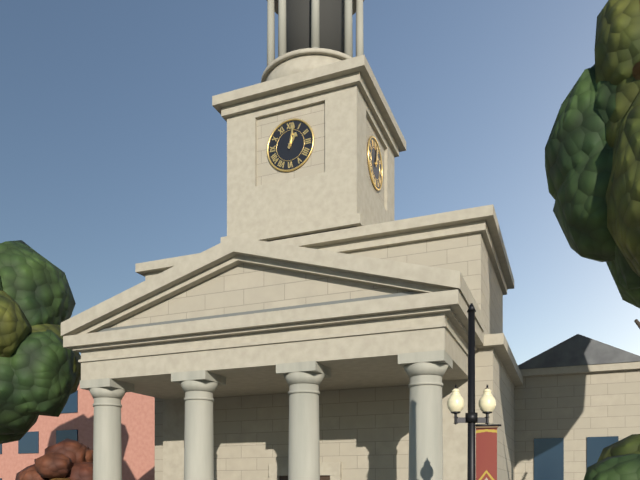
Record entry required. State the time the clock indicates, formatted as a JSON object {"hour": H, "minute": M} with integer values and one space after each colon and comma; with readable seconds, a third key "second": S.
{"hour": 1, "minute": 2}
